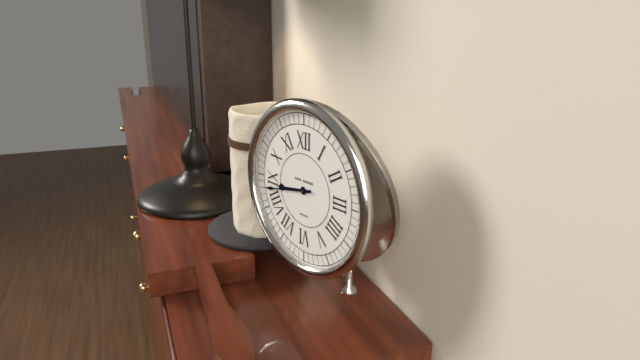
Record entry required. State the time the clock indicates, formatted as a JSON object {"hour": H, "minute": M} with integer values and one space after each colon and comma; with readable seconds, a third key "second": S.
{"hour": 8, "minute": 43}
